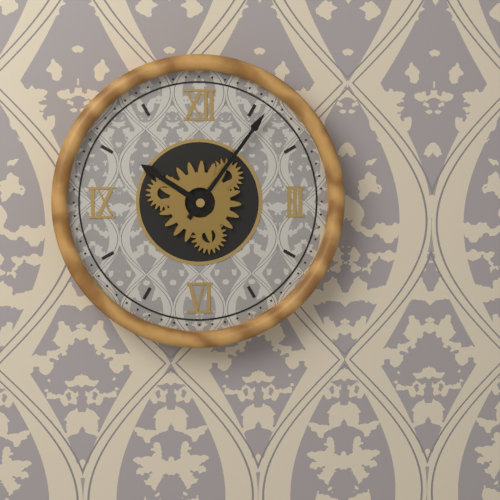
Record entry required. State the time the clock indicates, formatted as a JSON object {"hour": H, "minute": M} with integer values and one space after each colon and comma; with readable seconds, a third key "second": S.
{"hour": 10, "minute": 6}
